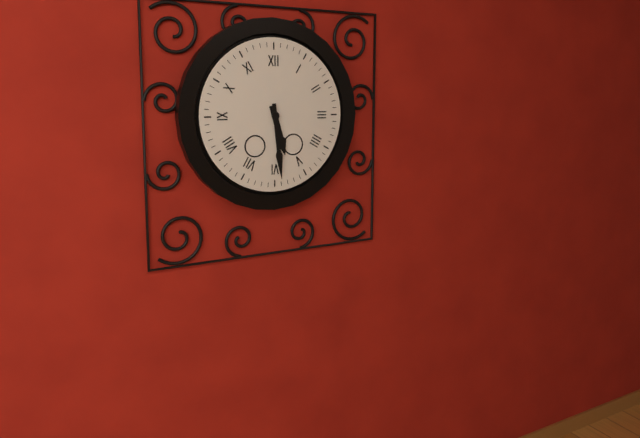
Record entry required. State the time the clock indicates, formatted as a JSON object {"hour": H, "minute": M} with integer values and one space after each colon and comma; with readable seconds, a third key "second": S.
{"hour": 5, "minute": 29}
